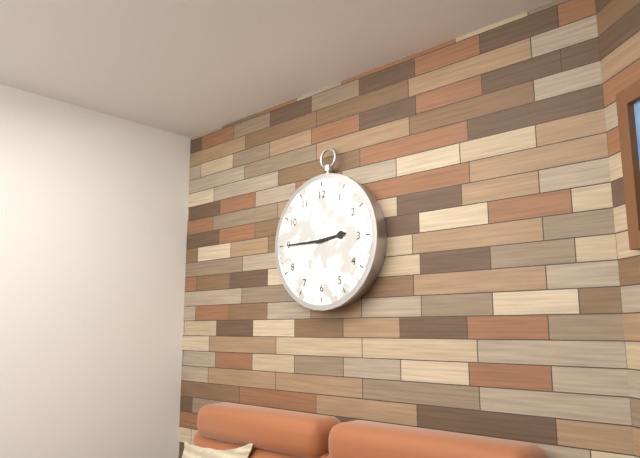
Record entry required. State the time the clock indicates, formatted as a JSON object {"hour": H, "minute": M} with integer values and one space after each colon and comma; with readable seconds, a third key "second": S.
{"hour": 2, "minute": 45}
